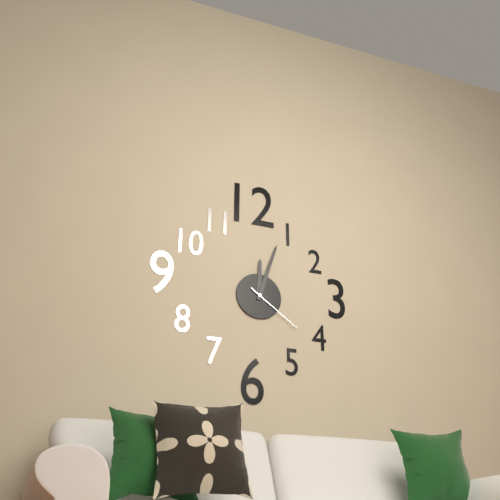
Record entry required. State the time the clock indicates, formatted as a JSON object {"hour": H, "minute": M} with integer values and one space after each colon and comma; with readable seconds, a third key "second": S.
{"hour": 12, "minute": 3, "second": 21}
